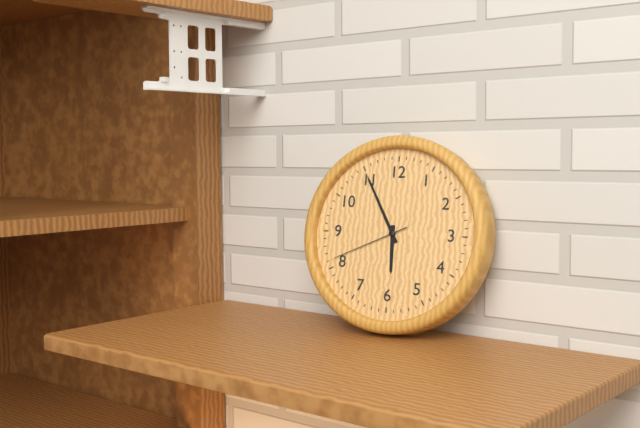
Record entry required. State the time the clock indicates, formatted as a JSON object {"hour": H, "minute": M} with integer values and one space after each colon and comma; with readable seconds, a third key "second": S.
{"hour": 5, "minute": 55, "second": 41}
